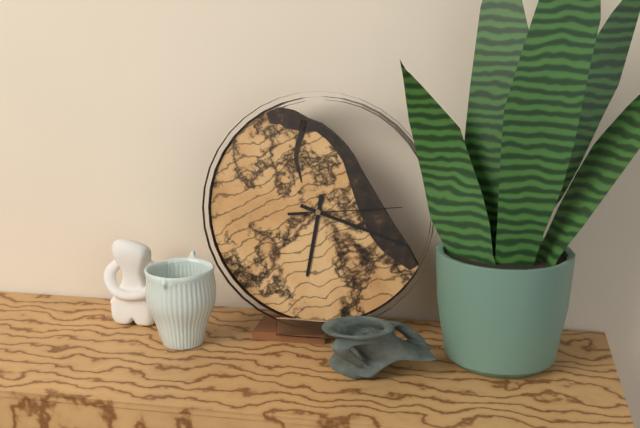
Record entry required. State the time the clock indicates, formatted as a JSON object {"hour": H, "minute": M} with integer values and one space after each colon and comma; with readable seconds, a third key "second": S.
{"hour": 6, "minute": 18, "second": 14}
